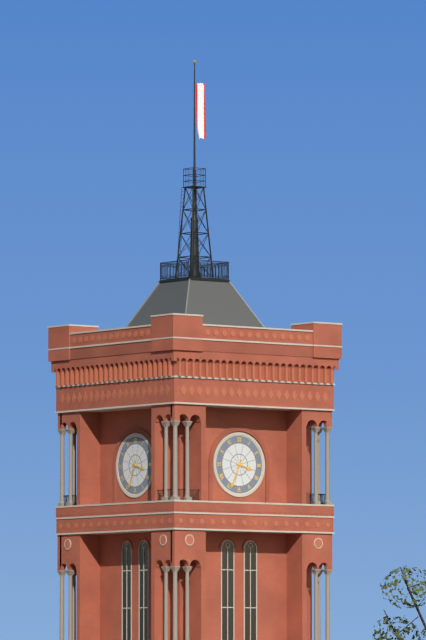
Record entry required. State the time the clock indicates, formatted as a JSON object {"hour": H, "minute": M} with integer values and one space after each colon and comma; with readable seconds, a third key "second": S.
{"hour": 3, "minute": 34}
